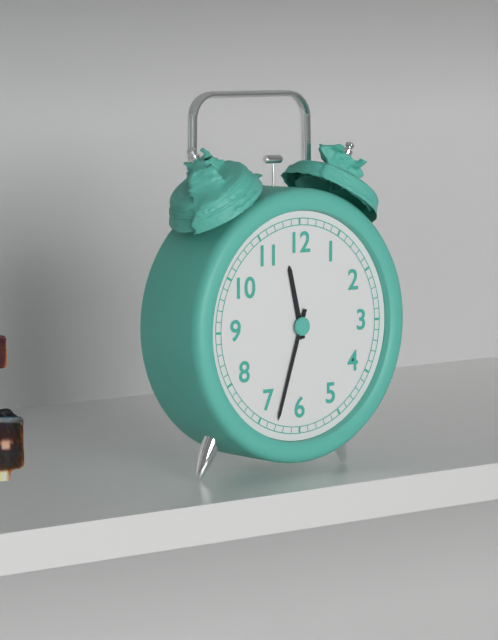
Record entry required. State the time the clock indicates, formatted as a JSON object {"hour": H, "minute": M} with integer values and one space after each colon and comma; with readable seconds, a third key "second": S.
{"hour": 11, "minute": 33}
